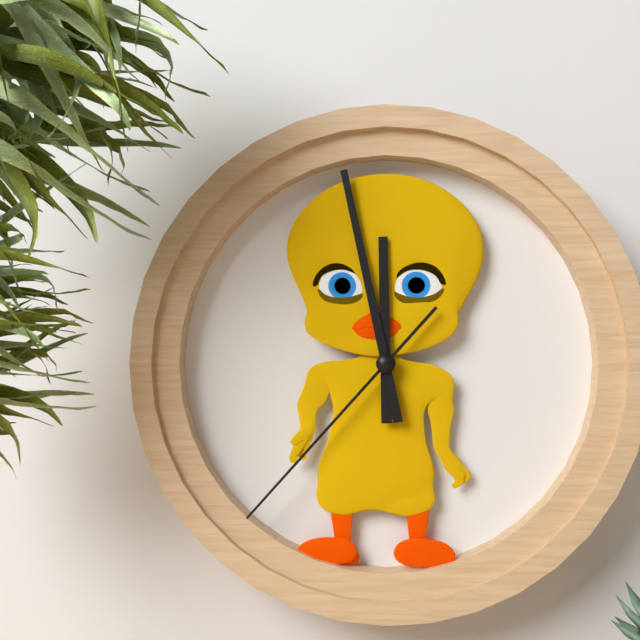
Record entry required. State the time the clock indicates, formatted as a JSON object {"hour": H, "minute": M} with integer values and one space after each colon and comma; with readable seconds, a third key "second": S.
{"hour": 11, "minute": 58, "second": 37}
